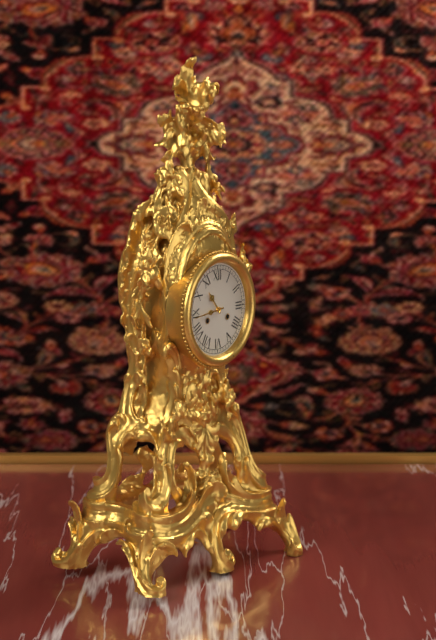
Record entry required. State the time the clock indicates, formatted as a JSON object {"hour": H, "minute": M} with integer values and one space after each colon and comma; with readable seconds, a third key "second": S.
{"hour": 10, "minute": 44}
